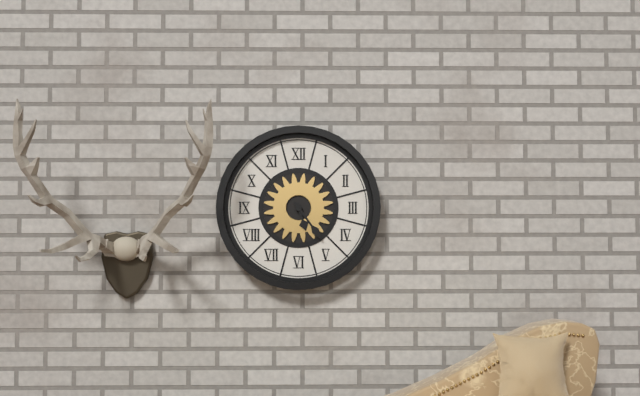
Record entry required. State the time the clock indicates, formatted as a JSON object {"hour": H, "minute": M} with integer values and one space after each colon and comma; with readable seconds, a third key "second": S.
{"hour": 5, "minute": 24}
